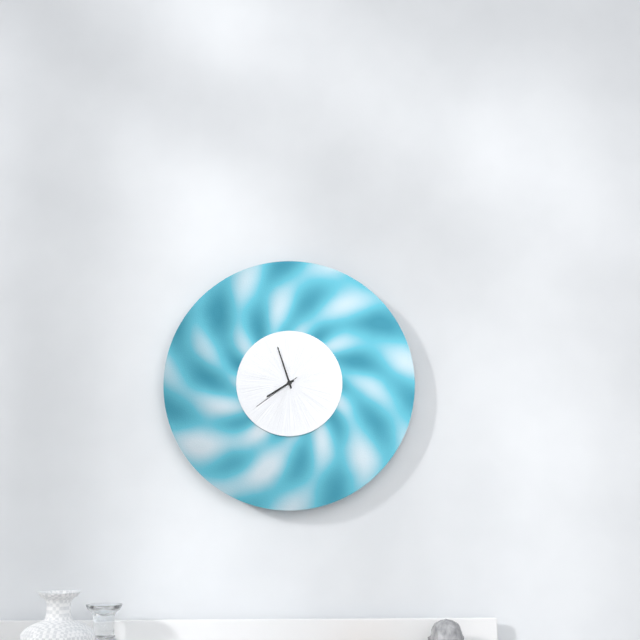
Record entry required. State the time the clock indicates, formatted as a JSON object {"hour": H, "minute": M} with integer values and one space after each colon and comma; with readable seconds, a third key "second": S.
{"hour": 7, "minute": 57, "second": 39}
